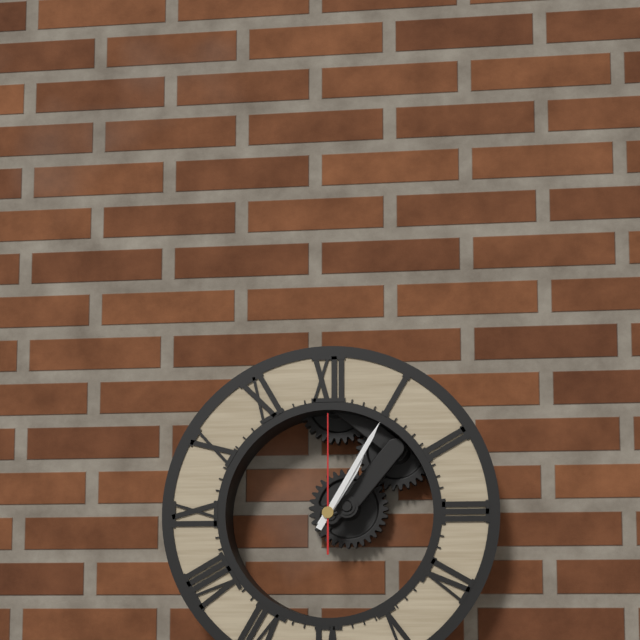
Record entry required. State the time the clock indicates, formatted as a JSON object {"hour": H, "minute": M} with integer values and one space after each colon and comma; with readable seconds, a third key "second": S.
{"hour": 1, "minute": 5, "second": 0}
